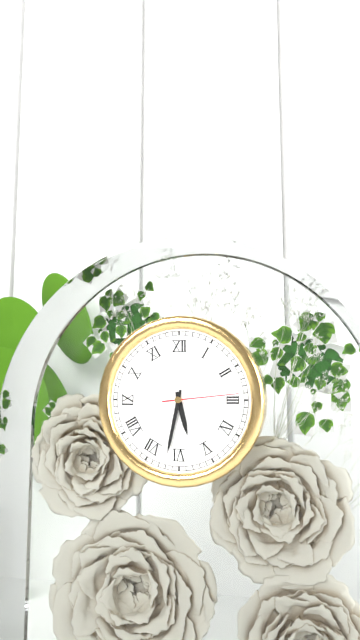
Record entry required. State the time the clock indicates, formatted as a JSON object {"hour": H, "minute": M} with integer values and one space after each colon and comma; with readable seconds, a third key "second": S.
{"hour": 5, "minute": 32, "second": 14}
